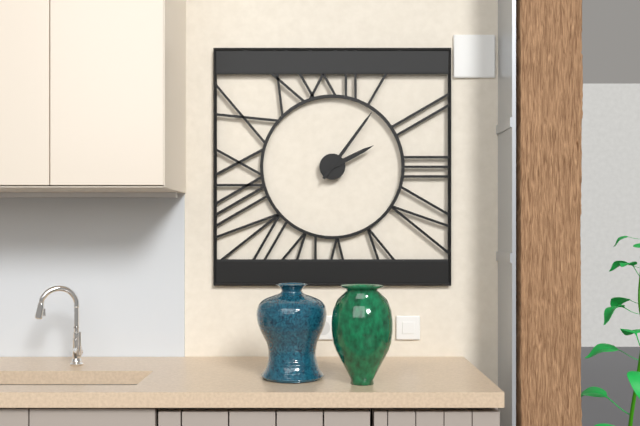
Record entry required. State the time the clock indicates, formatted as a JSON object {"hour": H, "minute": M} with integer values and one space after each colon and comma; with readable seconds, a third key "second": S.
{"hour": 2, "minute": 6}
